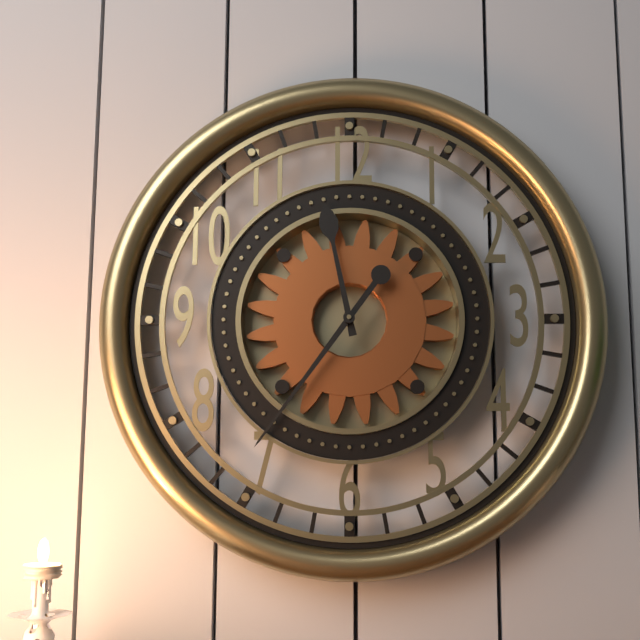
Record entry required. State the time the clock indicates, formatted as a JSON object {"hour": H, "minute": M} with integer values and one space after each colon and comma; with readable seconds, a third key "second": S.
{"hour": 11, "minute": 36}
